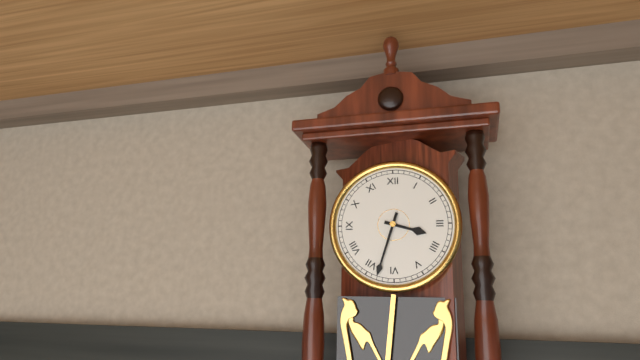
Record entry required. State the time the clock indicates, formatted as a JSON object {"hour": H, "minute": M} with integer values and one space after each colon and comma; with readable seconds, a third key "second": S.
{"hour": 3, "minute": 33}
